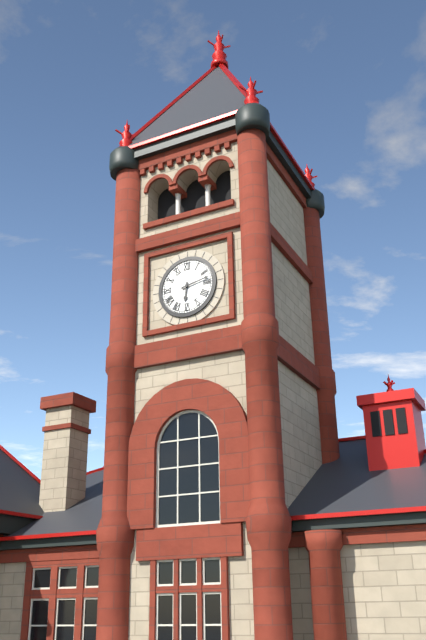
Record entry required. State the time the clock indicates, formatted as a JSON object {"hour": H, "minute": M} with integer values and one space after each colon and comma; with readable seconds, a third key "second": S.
{"hour": 6, "minute": 13}
